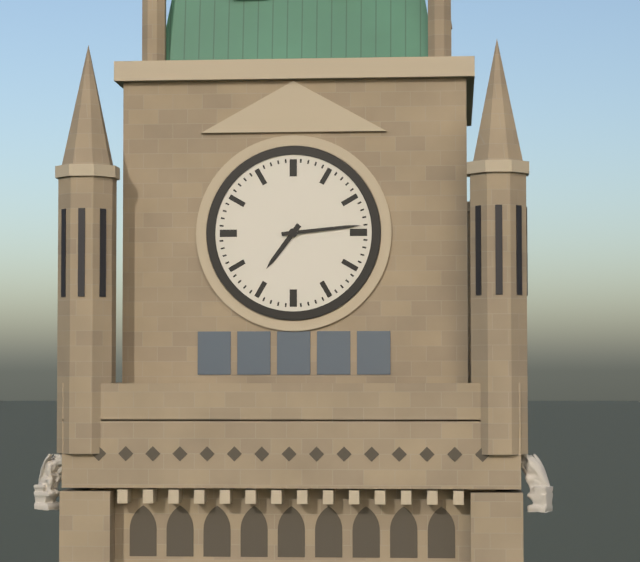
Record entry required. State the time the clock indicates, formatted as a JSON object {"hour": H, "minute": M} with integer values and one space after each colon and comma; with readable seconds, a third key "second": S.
{"hour": 7, "minute": 14}
